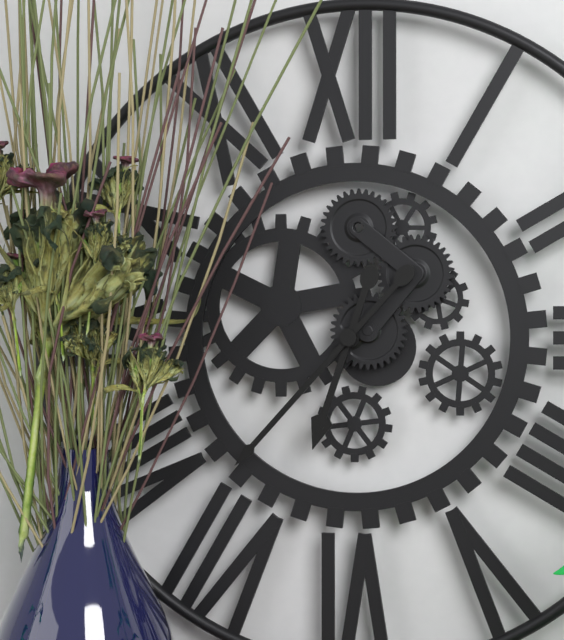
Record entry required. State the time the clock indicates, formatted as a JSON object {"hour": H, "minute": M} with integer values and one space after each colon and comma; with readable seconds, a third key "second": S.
{"hour": 6, "minute": 37}
